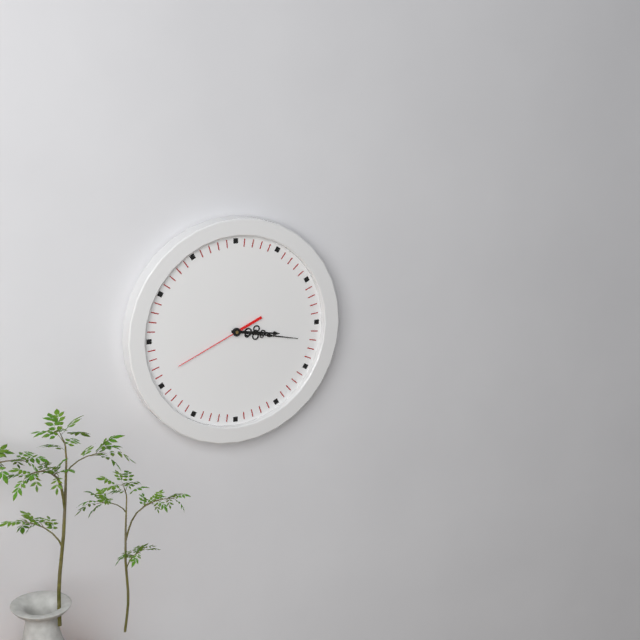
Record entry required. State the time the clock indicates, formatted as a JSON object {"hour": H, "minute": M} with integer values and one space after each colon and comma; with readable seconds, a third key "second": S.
{"hour": 3, "minute": 17, "second": 41}
